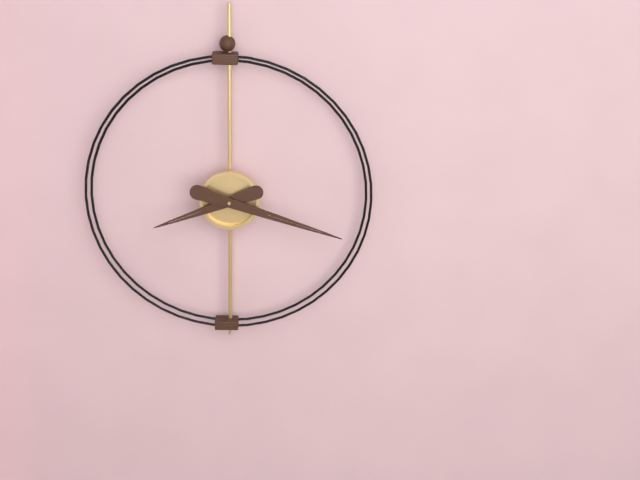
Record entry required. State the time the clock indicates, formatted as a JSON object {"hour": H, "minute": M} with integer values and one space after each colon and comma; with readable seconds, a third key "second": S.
{"hour": 8, "minute": 18}
